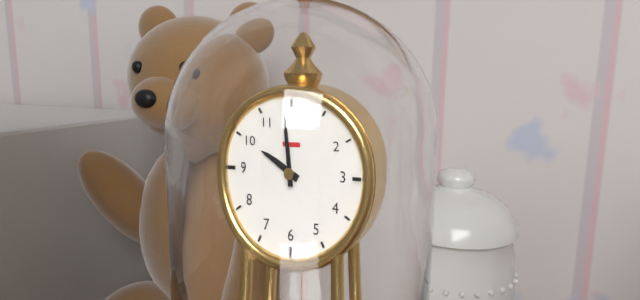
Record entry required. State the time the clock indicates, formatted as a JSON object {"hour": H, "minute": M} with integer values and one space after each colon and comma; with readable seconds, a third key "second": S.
{"hour": 9, "minute": 59}
